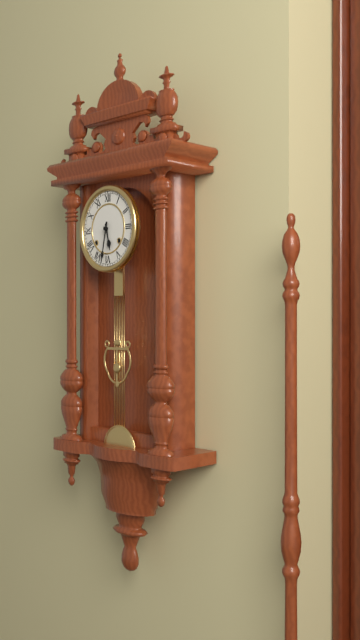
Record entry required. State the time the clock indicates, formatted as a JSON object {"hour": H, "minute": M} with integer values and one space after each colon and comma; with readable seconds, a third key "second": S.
{"hour": 5, "minute": 32}
